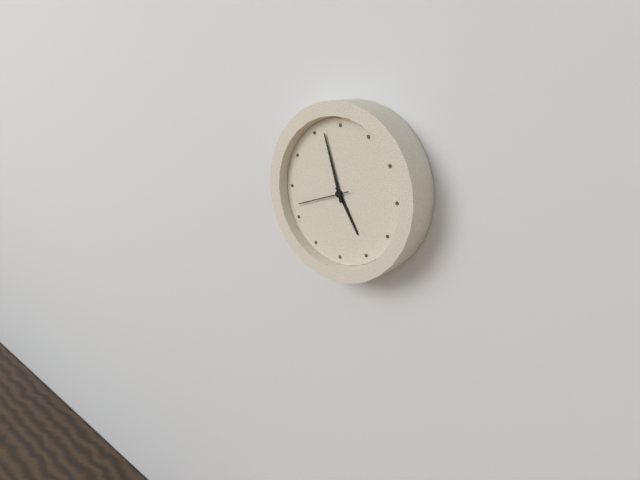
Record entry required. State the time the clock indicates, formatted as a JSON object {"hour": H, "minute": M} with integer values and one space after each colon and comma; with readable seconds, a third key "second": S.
{"hour": 4, "minute": 57, "second": 42}
